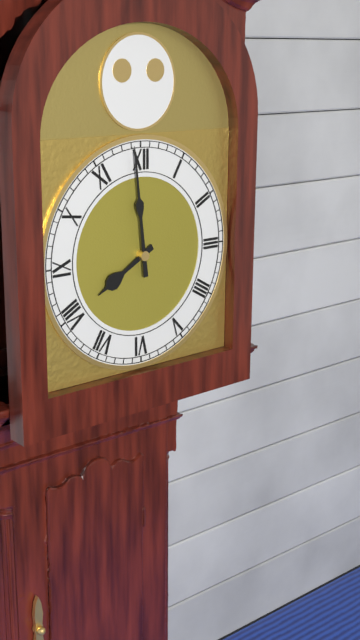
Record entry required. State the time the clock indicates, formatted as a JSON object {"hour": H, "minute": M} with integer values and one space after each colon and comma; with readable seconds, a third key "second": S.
{"hour": 7, "minute": 59}
